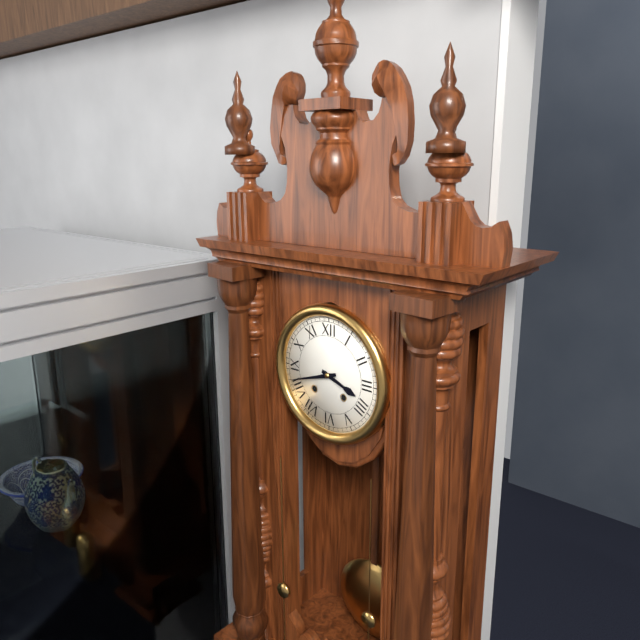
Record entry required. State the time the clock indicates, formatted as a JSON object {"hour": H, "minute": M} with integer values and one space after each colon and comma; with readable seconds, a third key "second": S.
{"hour": 3, "minute": 42}
